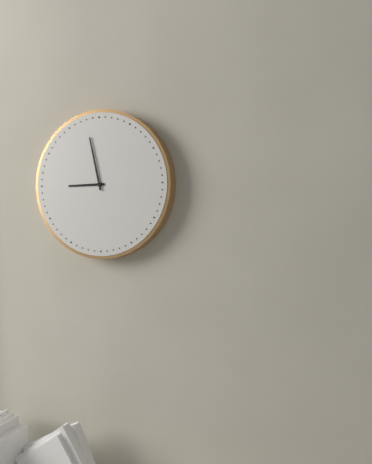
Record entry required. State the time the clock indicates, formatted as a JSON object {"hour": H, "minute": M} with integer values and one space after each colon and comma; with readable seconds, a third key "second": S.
{"hour": 8, "minute": 58}
